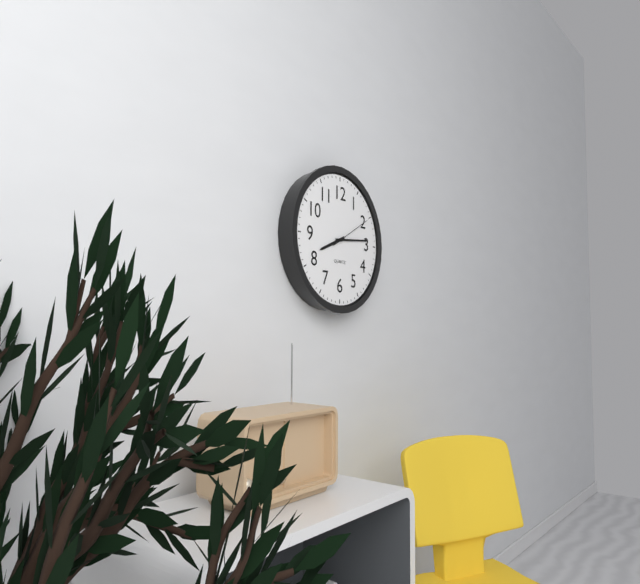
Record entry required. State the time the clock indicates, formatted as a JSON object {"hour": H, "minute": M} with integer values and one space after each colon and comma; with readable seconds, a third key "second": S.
{"hour": 8, "minute": 14}
